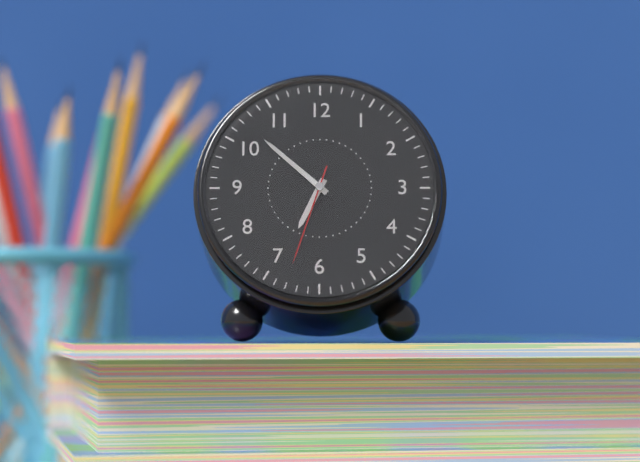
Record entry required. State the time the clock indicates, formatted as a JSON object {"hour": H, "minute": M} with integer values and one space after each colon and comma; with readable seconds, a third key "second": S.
{"hour": 6, "minute": 52, "second": 33}
